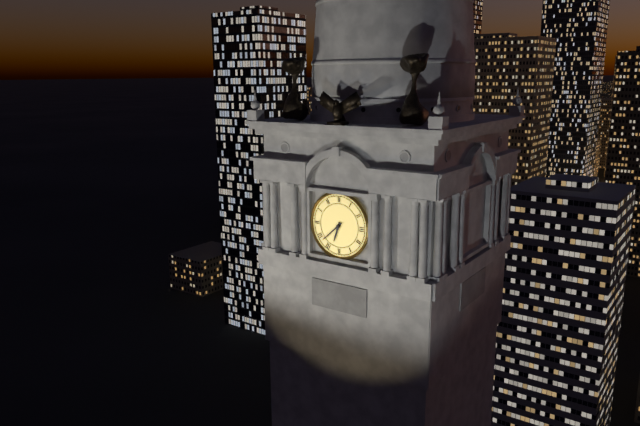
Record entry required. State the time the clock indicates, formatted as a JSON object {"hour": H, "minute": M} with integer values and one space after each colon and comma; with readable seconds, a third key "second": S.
{"hour": 6, "minute": 38}
